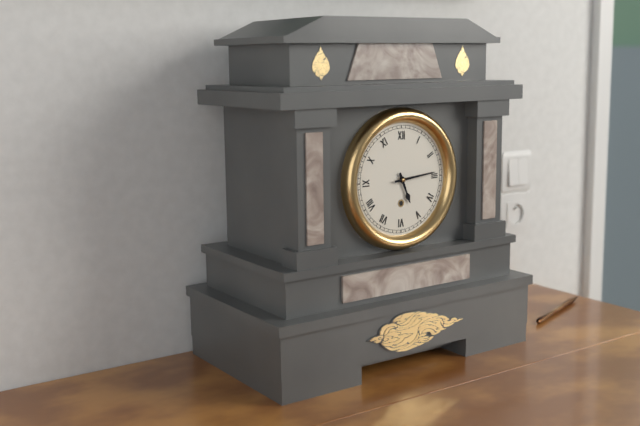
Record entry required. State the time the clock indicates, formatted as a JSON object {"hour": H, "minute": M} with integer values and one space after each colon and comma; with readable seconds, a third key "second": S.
{"hour": 5, "minute": 14}
